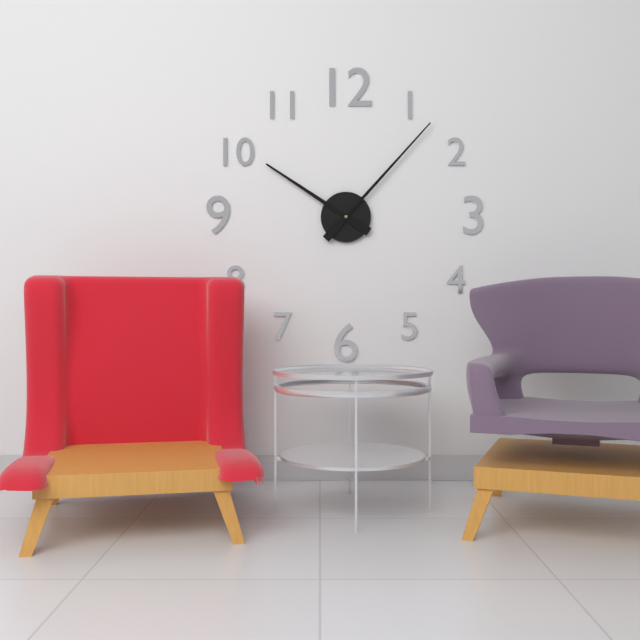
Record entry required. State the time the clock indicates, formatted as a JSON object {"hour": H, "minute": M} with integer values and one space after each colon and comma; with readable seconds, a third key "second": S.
{"hour": 10, "minute": 7}
